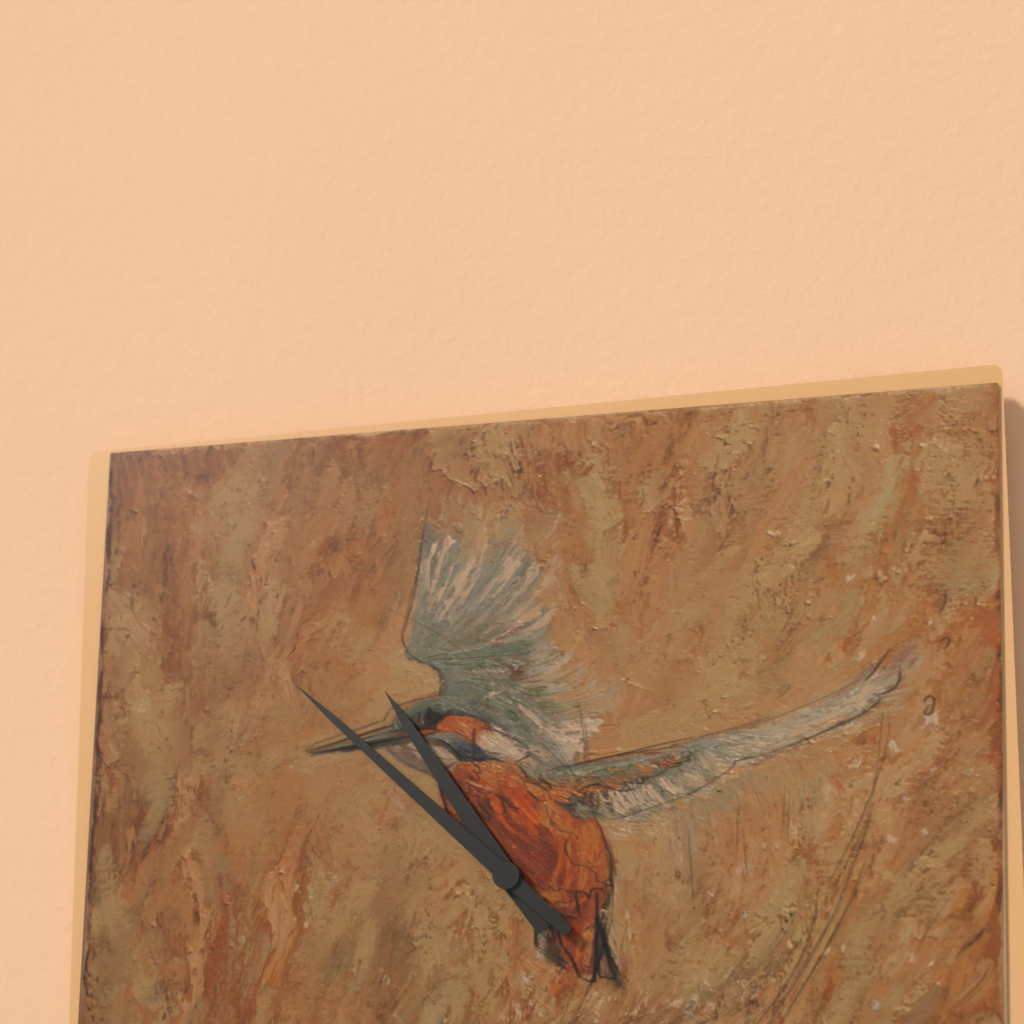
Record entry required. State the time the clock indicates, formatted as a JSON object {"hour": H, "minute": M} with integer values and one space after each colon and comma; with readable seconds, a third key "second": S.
{"hour": 10, "minute": 52}
